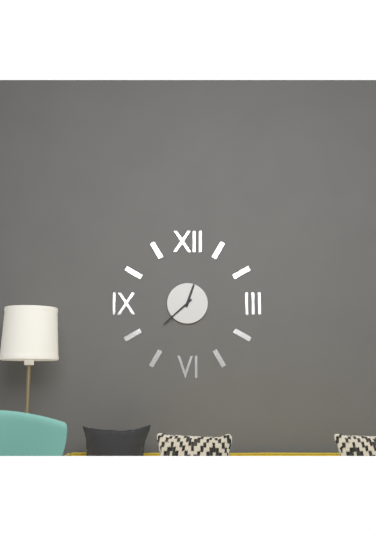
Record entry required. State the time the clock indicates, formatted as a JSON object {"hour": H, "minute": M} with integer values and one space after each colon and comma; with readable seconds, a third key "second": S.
{"hour": 12, "minute": 38}
